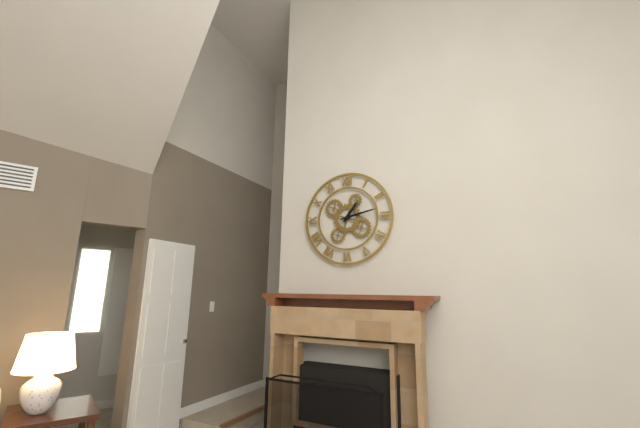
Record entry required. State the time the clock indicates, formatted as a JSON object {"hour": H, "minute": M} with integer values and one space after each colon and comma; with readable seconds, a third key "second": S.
{"hour": 1, "minute": 13}
